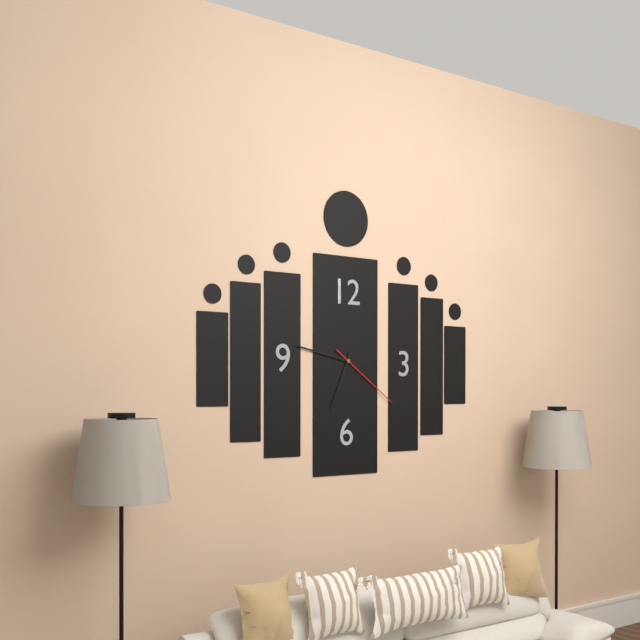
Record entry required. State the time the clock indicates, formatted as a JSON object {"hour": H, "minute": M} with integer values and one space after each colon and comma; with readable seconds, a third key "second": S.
{"hour": 6, "minute": 47, "second": 21}
